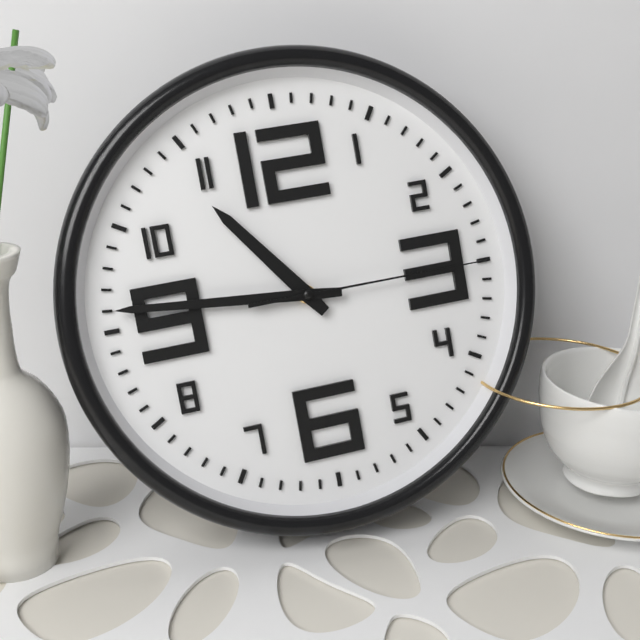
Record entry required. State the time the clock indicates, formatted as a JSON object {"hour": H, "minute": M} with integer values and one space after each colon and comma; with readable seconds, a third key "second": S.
{"hour": 10, "minute": 46, "second": 15}
